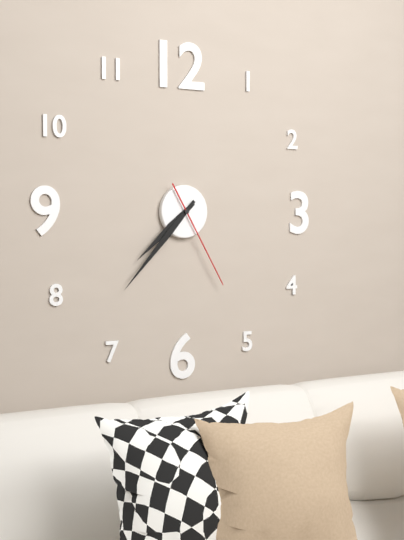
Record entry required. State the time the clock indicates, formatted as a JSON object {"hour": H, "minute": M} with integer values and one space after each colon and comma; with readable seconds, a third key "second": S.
{"hour": 7, "minute": 37, "second": 25}
